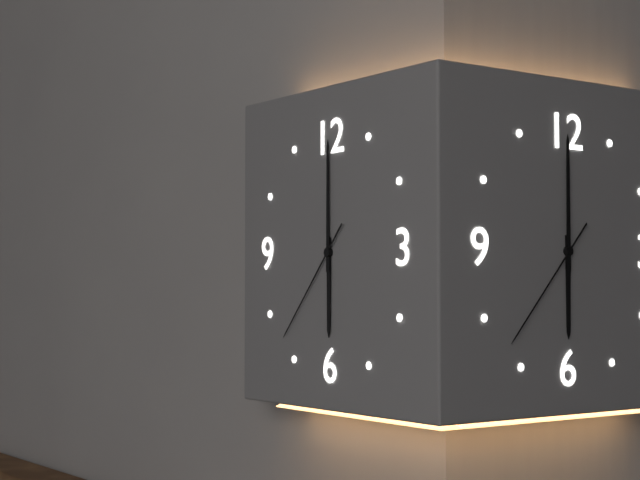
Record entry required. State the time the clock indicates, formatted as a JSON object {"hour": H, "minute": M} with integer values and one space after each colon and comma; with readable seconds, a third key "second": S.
{"hour": 6, "minute": 0, "second": 37}
